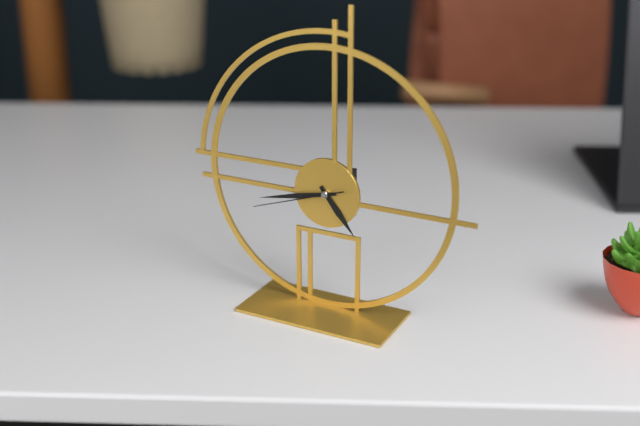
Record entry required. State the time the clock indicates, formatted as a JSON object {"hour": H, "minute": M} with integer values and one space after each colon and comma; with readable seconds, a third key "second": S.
{"hour": 4, "minute": 43, "second": 42}
